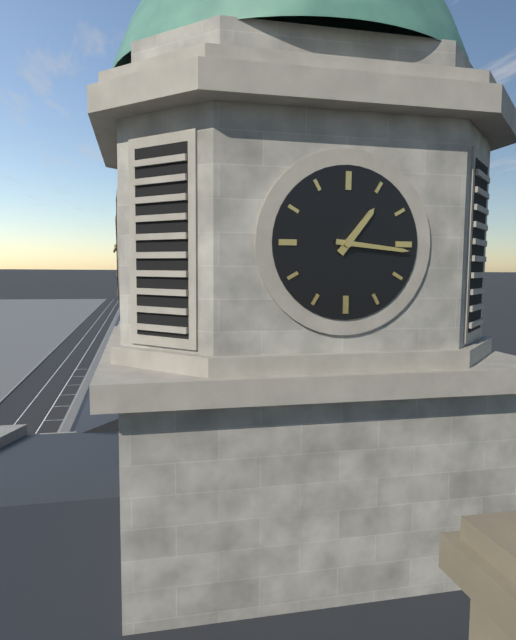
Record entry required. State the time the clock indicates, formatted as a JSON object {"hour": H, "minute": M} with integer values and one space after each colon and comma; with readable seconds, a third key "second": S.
{"hour": 1, "minute": 16}
